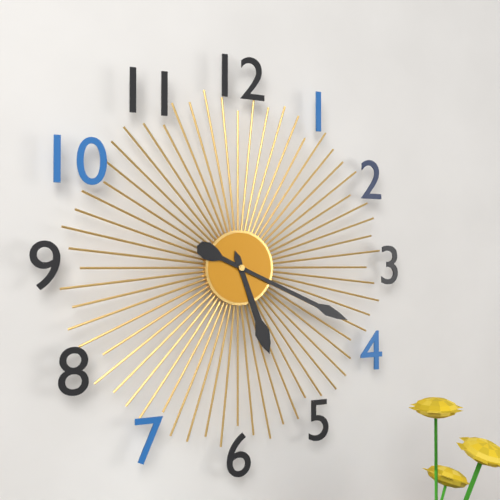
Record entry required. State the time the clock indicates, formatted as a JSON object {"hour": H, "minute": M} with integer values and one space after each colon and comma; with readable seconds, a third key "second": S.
{"hour": 5, "minute": 19}
